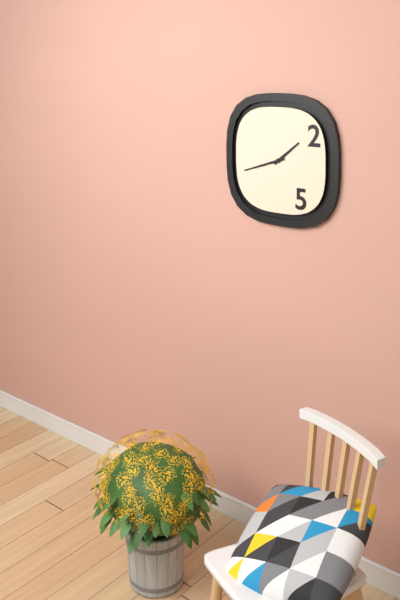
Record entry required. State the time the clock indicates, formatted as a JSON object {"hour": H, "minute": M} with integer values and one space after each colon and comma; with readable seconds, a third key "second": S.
{"hour": 1, "minute": 42}
